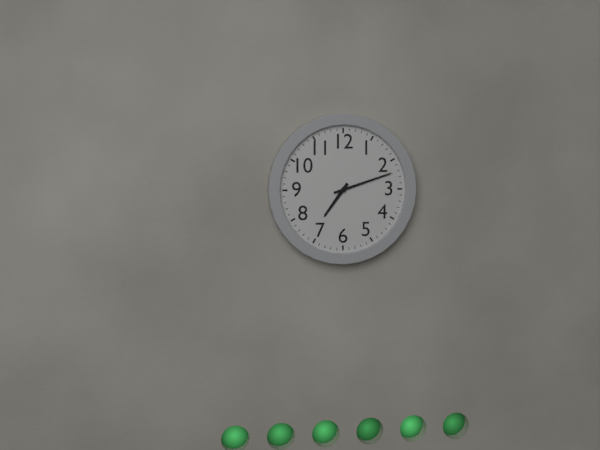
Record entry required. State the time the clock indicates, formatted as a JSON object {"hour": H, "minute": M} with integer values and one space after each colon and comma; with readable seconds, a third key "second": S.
{"hour": 7, "minute": 12}
